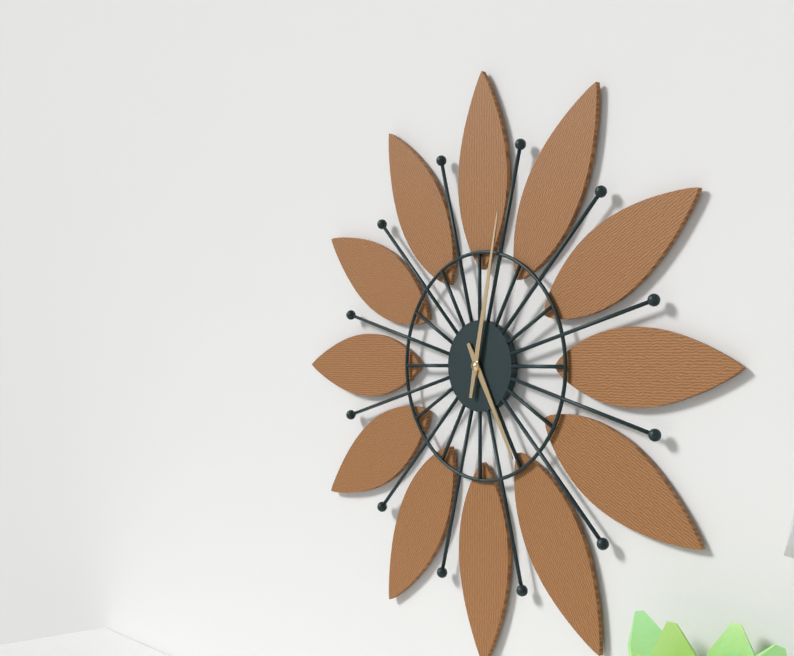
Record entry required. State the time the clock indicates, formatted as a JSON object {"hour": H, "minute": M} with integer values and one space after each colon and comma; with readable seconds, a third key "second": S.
{"hour": 5, "minute": 2}
